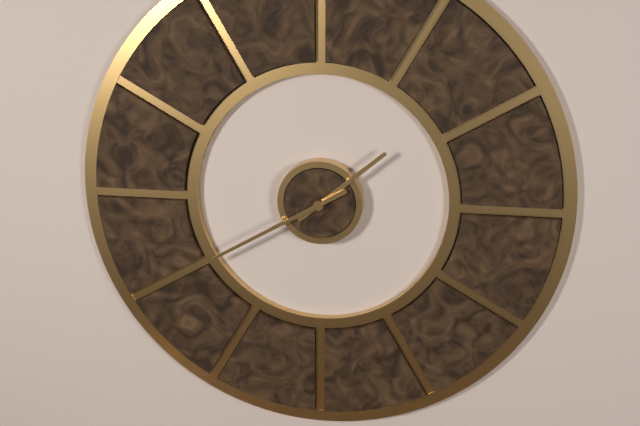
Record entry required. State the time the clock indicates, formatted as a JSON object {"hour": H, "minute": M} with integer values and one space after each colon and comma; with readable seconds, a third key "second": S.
{"hour": 1, "minute": 40}
